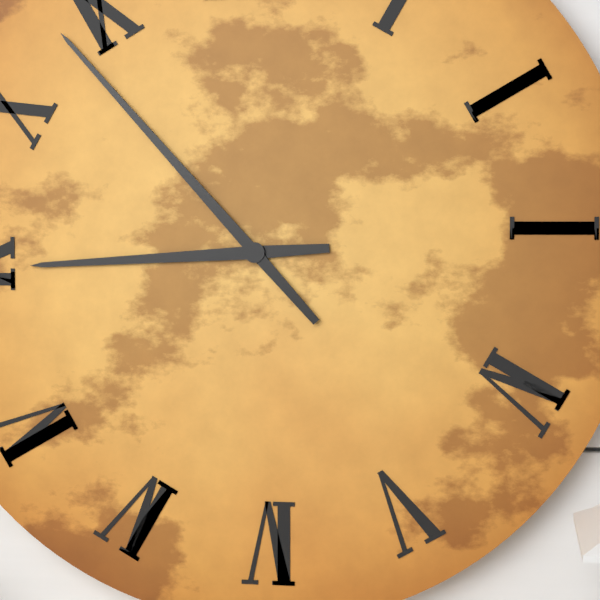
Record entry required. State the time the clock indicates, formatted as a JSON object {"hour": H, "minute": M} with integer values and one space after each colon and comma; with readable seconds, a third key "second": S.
{"hour": 8, "minute": 53}
